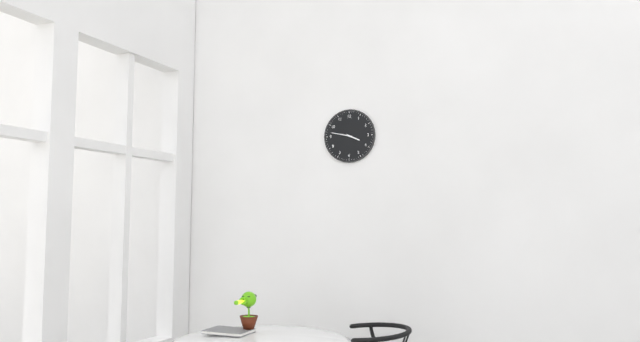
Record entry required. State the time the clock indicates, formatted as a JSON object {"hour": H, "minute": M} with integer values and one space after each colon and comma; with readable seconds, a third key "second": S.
{"hour": 3, "minute": 47}
